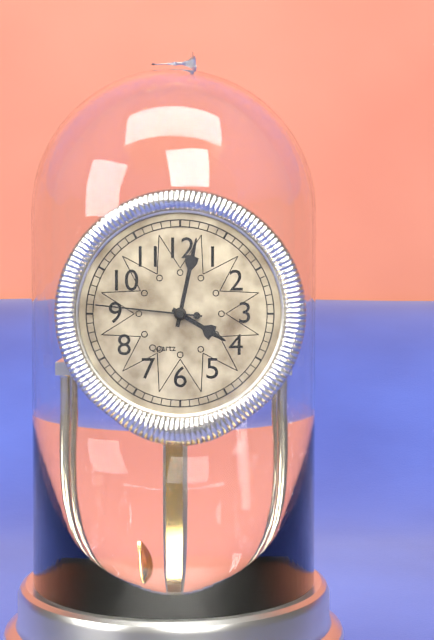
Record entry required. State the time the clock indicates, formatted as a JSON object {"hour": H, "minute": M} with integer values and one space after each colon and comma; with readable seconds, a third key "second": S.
{"hour": 4, "minute": 2, "second": 46}
